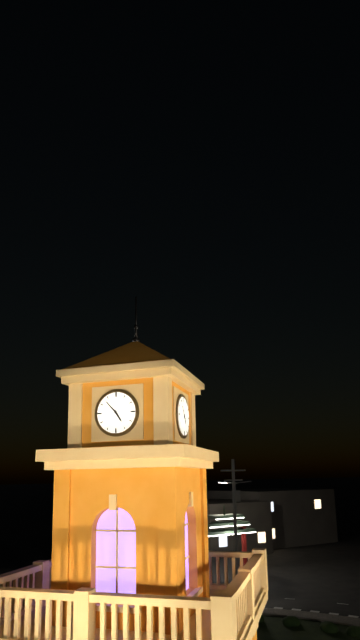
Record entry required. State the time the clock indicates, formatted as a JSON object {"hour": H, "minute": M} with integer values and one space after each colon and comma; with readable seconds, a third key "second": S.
{"hour": 4, "minute": 53}
